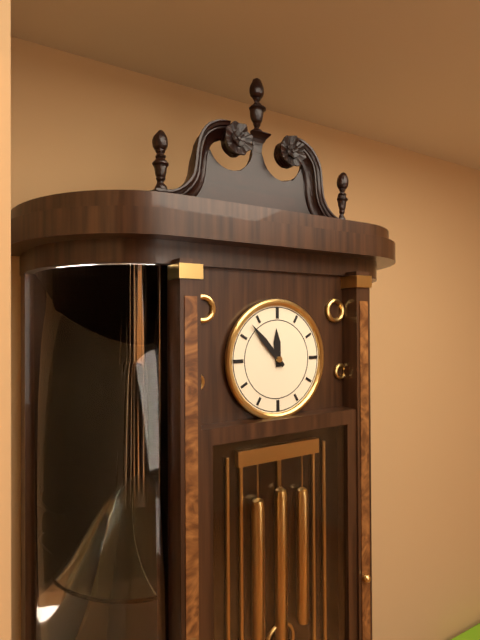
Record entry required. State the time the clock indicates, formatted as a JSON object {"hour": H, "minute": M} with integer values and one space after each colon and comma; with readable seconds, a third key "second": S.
{"hour": 11, "minute": 53}
